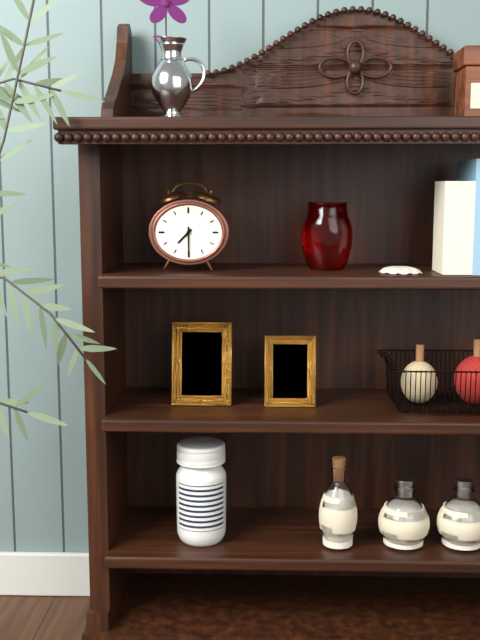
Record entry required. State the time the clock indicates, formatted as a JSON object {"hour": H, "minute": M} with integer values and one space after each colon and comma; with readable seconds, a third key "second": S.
{"hour": 7, "minute": 30}
